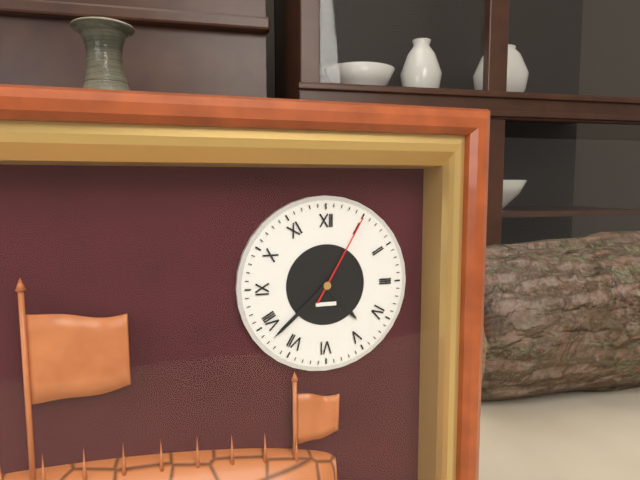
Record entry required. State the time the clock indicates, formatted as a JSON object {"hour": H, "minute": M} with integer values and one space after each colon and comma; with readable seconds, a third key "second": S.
{"hour": 4, "minute": 38, "second": 5}
